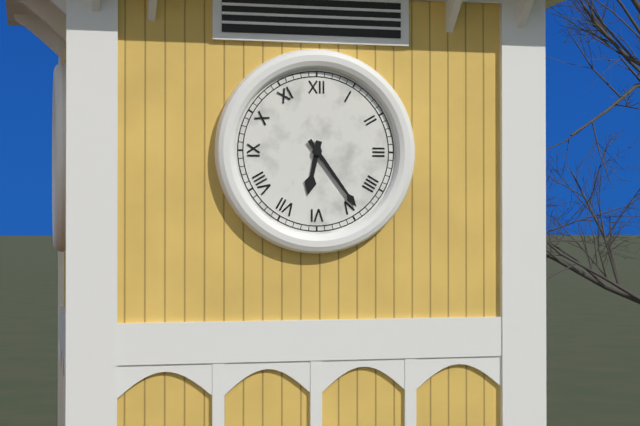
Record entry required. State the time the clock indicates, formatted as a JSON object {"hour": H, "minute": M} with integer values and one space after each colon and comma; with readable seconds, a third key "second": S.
{"hour": 6, "minute": 24}
